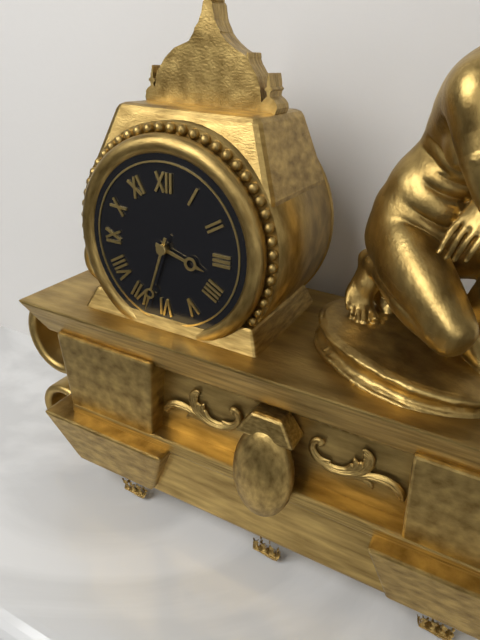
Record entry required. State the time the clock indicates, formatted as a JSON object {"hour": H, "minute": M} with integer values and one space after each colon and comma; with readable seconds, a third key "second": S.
{"hour": 3, "minute": 33}
